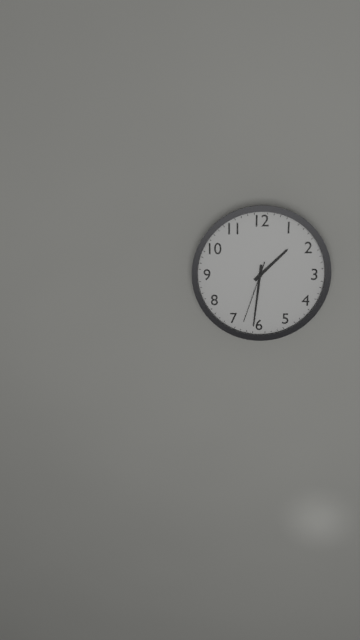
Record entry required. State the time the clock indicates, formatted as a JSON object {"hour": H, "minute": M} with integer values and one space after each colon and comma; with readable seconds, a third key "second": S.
{"hour": 1, "minute": 31, "second": 33}
